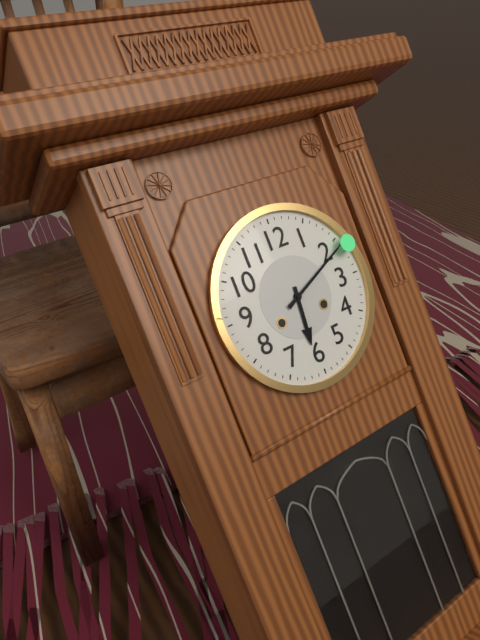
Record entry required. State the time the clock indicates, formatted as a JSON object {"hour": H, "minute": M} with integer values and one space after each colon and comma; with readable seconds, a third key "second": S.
{"hour": 6, "minute": 11}
